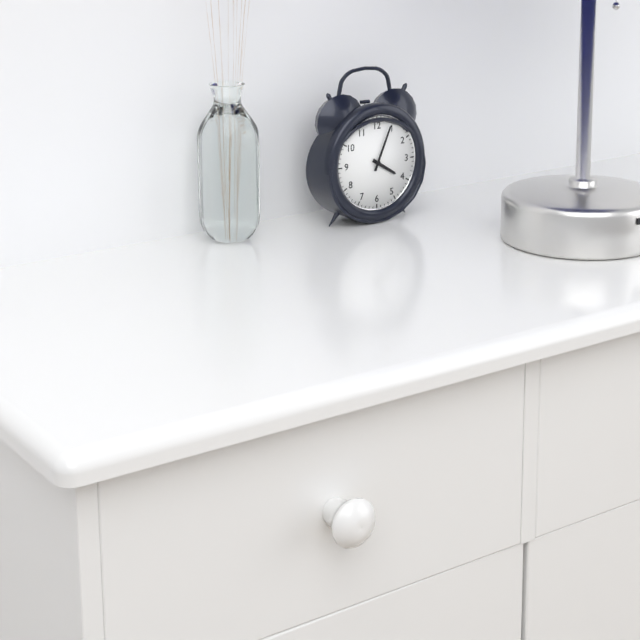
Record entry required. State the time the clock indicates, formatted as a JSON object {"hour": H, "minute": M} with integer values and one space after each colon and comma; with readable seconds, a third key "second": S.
{"hour": 4, "minute": 4}
